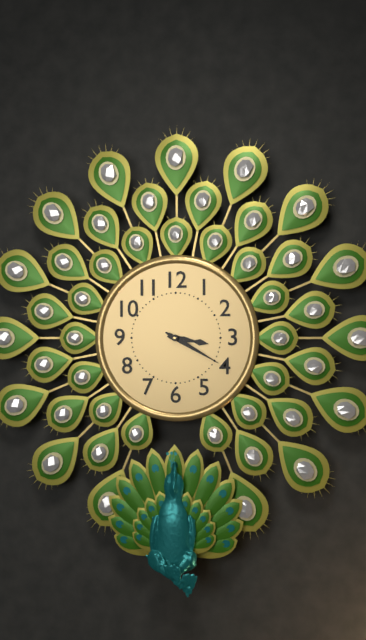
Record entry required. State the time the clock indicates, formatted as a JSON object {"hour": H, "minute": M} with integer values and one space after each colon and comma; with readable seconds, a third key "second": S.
{"hour": 3, "minute": 20}
